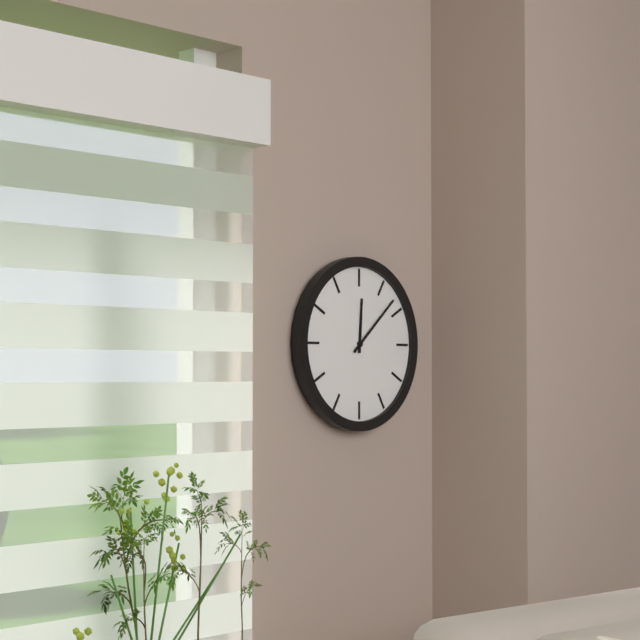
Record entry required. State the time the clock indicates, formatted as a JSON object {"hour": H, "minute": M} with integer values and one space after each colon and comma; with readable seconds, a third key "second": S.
{"hour": 12, "minute": 8}
